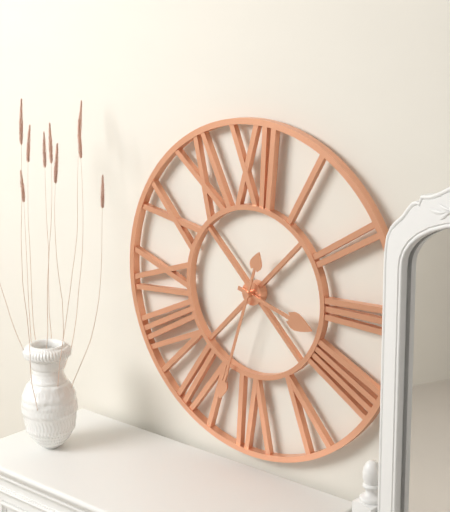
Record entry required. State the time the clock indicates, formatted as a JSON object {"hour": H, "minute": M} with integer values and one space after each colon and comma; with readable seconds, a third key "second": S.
{"hour": 3, "minute": 33}
